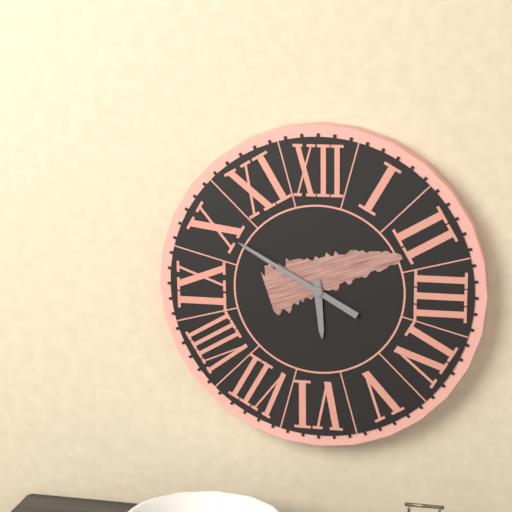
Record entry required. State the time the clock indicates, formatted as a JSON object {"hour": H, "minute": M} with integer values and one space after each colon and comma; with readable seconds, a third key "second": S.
{"hour": 5, "minute": 50}
